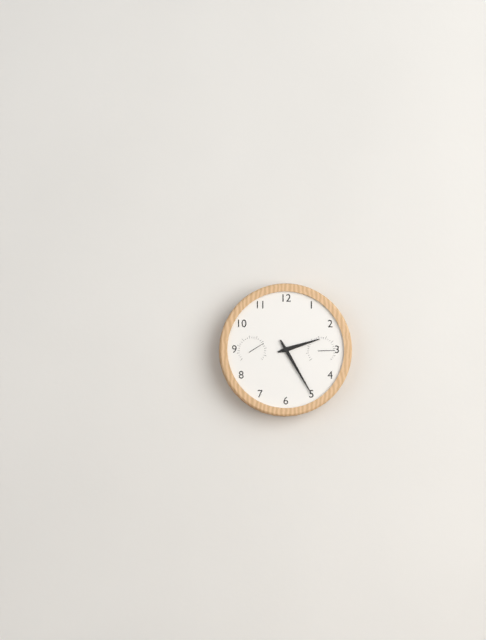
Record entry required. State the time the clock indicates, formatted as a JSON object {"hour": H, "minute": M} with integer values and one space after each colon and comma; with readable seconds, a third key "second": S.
{"hour": 2, "minute": 25}
